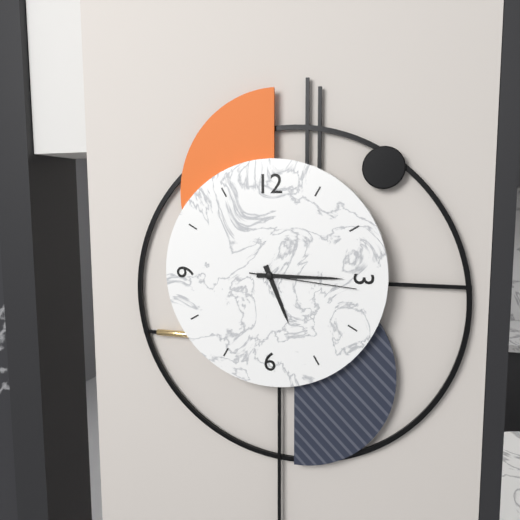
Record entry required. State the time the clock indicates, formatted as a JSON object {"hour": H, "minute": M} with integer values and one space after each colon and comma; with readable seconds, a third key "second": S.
{"hour": 5, "minute": 15, "second": 16}
